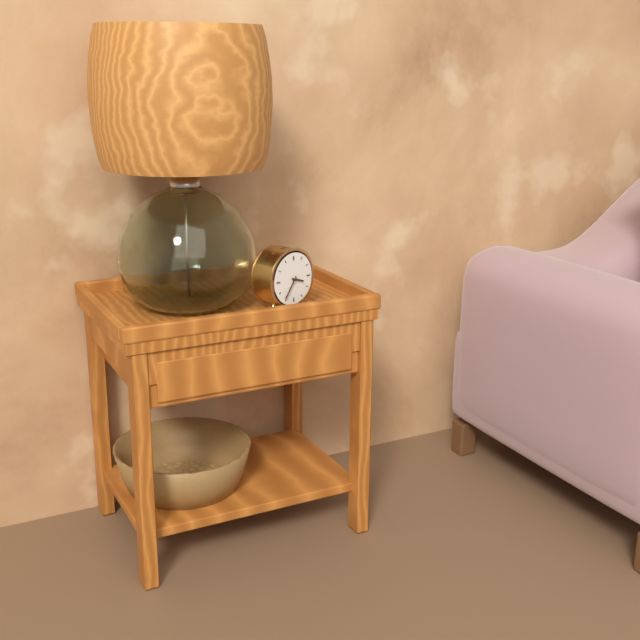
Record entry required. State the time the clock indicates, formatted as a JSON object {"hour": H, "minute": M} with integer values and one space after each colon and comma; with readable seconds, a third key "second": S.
{"hour": 3, "minute": 36}
